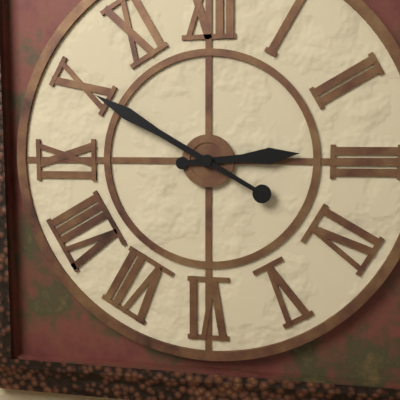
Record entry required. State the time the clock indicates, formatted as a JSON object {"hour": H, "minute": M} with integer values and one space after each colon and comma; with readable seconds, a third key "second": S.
{"hour": 2, "minute": 50}
